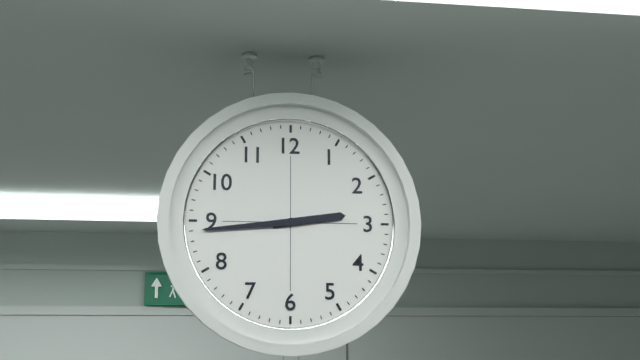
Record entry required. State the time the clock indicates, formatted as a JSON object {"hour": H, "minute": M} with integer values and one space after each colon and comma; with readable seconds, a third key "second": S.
{"hour": 2, "minute": 44}
